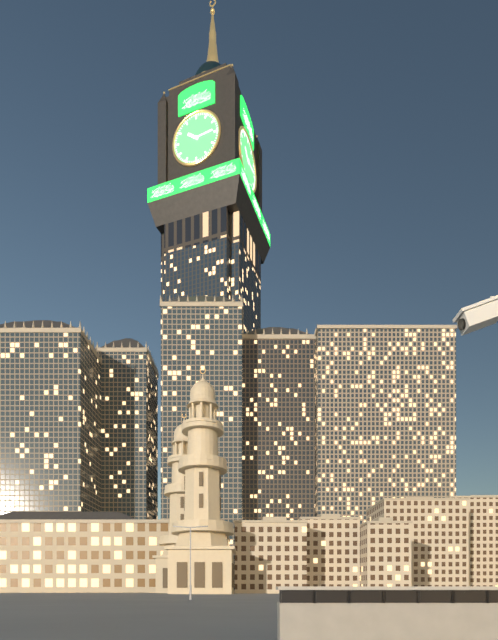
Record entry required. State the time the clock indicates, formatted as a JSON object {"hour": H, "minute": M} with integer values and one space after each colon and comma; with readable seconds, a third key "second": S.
{"hour": 10, "minute": 14}
